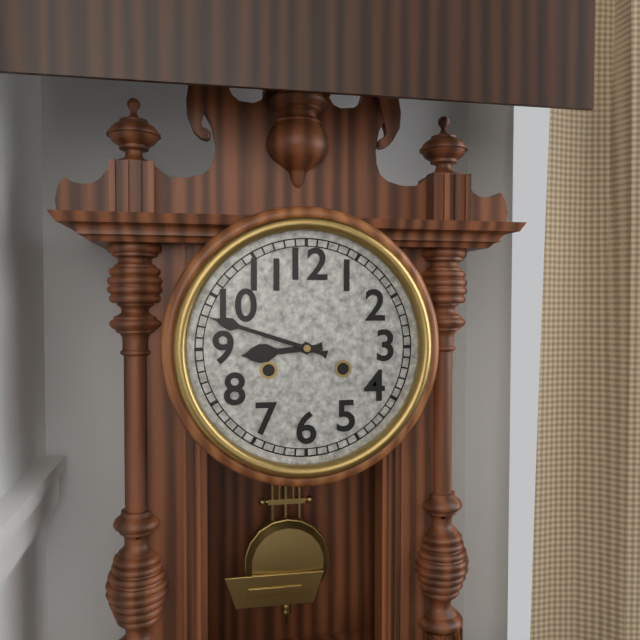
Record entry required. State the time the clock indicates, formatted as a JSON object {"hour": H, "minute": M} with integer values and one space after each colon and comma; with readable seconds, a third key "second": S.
{"hour": 8, "minute": 48}
